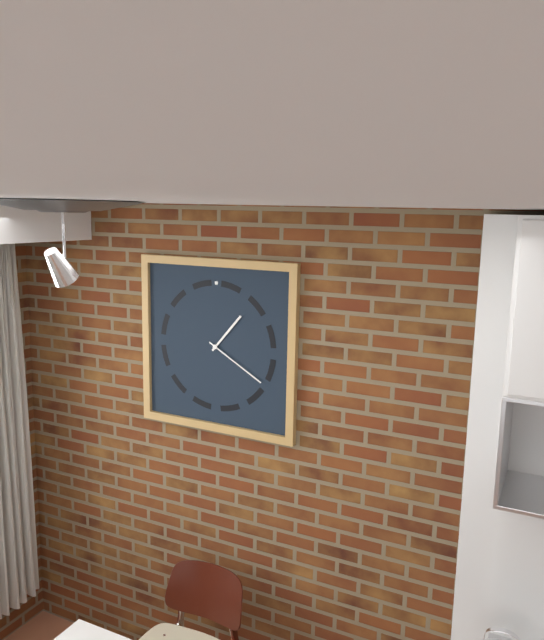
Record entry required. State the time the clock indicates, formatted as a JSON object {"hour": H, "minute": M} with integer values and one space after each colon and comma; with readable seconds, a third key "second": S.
{"hour": 1, "minute": 20}
